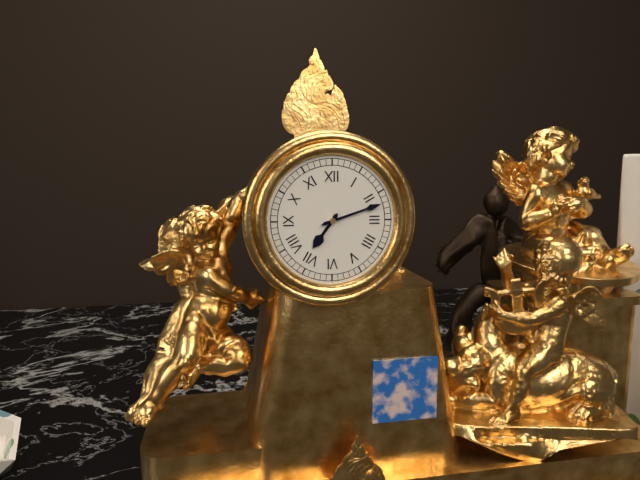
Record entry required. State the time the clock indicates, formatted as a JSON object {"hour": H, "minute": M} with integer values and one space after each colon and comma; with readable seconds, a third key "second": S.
{"hour": 7, "minute": 12}
